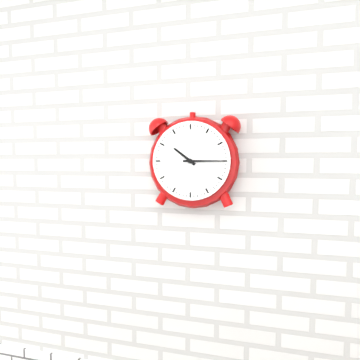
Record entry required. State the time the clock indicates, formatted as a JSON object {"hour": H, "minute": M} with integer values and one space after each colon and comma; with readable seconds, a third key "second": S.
{"hour": 10, "minute": 15}
